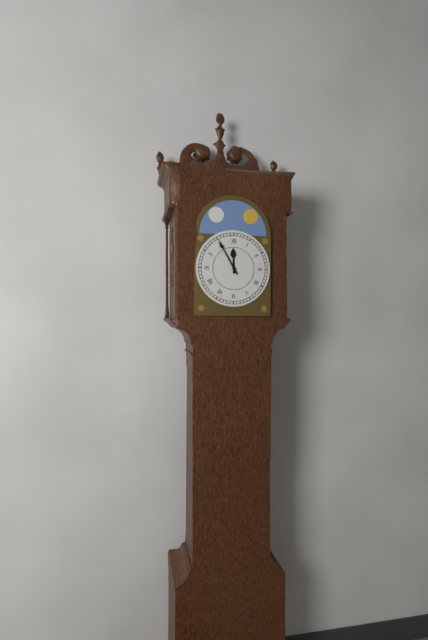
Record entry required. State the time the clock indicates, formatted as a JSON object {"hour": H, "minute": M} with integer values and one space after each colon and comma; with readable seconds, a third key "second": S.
{"hour": 11, "minute": 55}
